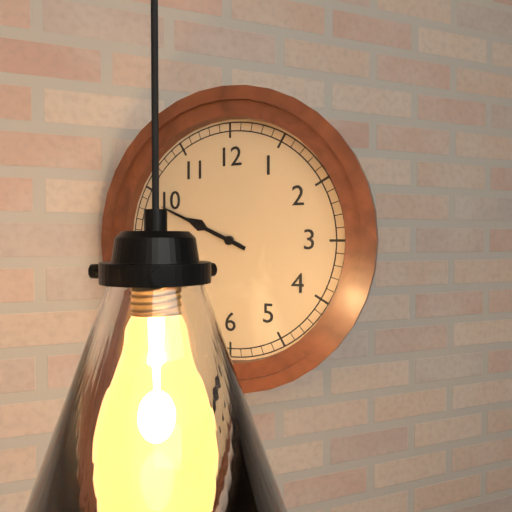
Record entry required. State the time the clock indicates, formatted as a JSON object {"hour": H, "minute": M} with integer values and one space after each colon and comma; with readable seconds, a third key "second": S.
{"hour": 9, "minute": 49}
